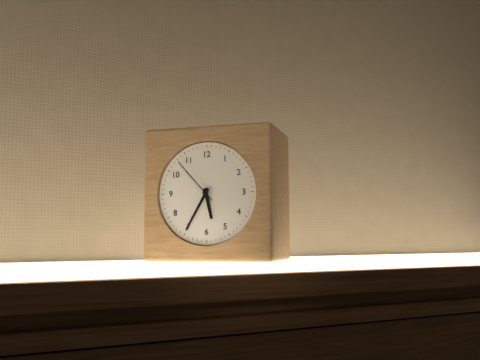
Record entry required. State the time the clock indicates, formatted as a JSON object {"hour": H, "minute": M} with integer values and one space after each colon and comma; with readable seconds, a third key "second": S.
{"hour": 5, "minute": 35, "second": 53}
